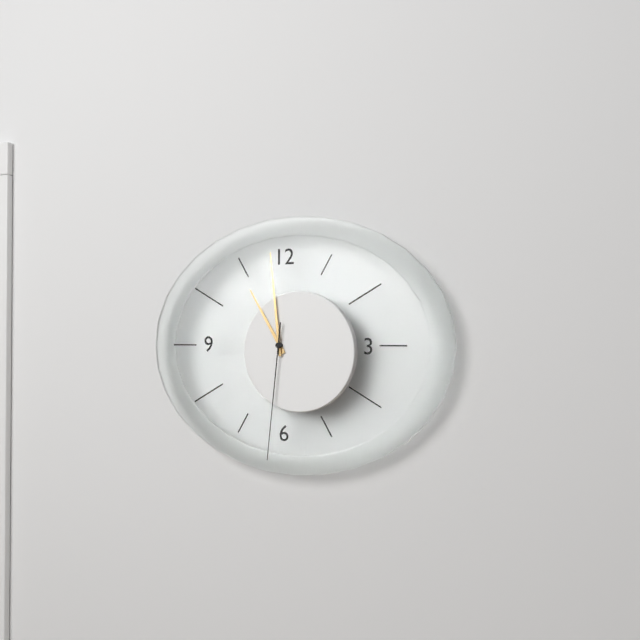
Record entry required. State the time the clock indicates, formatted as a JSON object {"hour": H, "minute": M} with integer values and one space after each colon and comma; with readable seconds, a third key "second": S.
{"hour": 10, "minute": 59, "second": 31}
